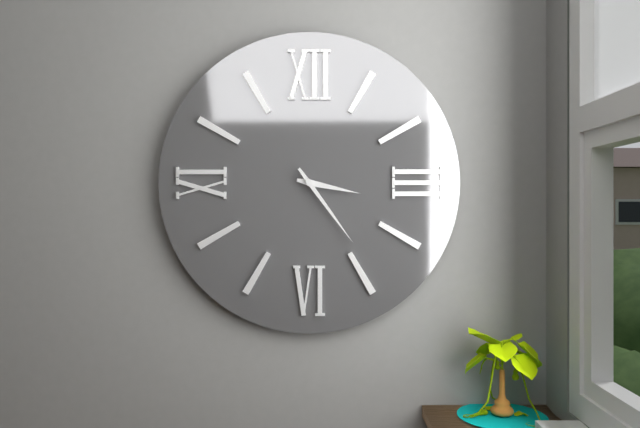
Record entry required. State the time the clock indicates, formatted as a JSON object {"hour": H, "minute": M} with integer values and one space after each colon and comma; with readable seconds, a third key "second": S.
{"hour": 3, "minute": 24}
